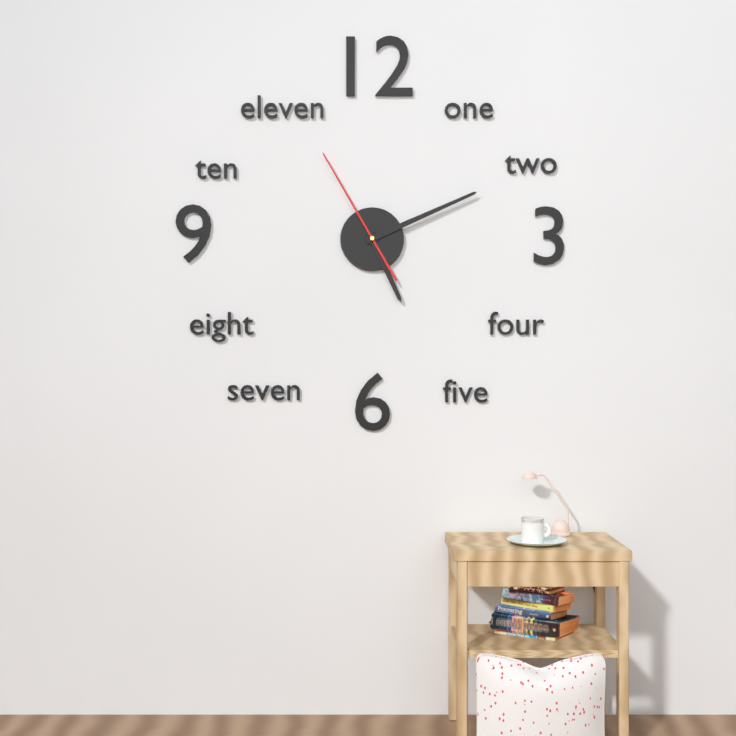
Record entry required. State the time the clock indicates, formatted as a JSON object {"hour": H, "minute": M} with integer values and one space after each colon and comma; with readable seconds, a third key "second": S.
{"hour": 5, "minute": 11, "second": 55}
